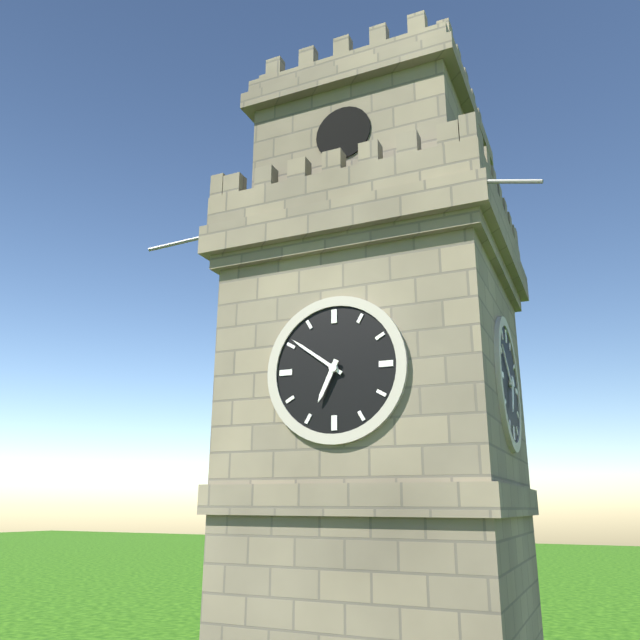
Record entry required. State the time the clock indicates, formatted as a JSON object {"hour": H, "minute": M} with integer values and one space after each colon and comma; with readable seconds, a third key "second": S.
{"hour": 6, "minute": 51}
